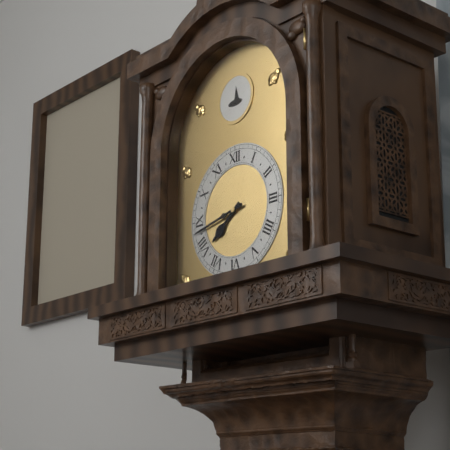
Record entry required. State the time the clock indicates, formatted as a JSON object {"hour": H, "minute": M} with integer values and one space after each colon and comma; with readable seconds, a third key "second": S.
{"hour": 7, "minute": 43}
